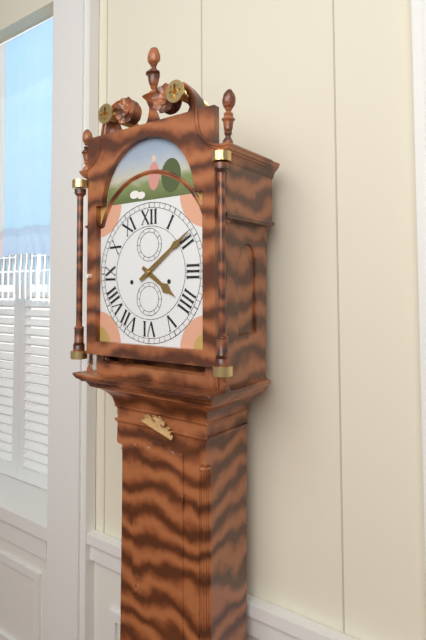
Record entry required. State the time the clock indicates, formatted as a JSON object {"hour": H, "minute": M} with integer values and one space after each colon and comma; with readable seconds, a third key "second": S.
{"hour": 4, "minute": 9}
